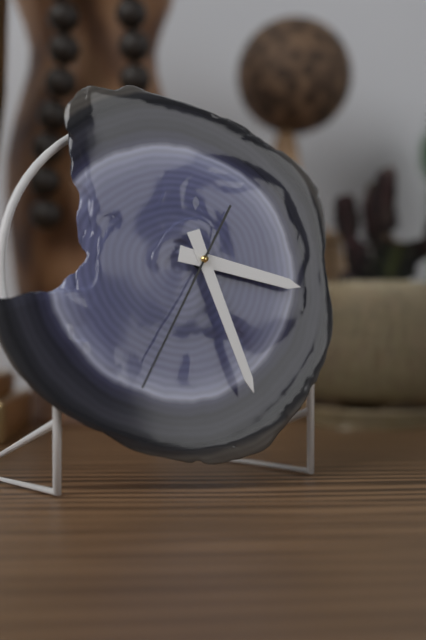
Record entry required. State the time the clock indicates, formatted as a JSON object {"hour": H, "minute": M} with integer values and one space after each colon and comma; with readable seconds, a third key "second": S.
{"hour": 3, "minute": 27, "second": 35}
